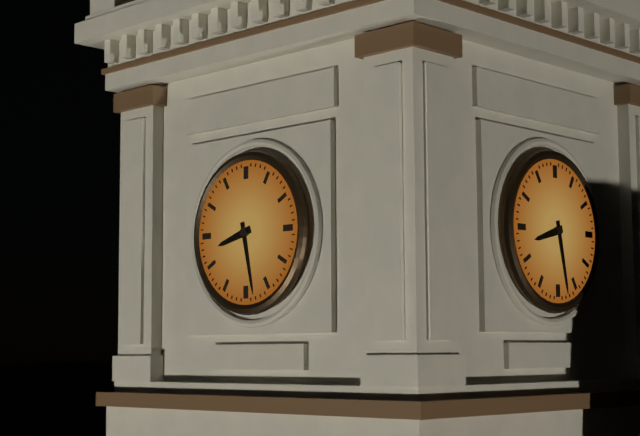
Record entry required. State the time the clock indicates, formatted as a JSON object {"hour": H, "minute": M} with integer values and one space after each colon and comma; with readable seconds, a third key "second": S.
{"hour": 8, "minute": 28}
